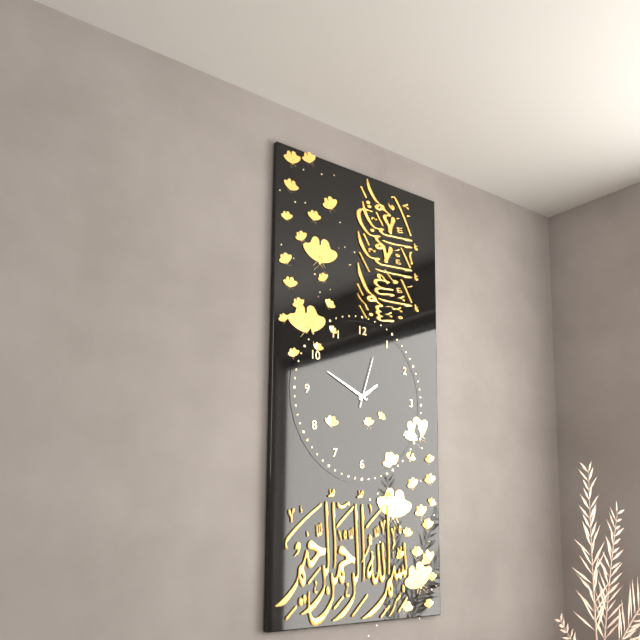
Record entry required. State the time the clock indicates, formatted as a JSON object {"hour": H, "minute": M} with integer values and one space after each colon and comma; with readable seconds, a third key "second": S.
{"hour": 1, "minute": 49, "second": 3}
